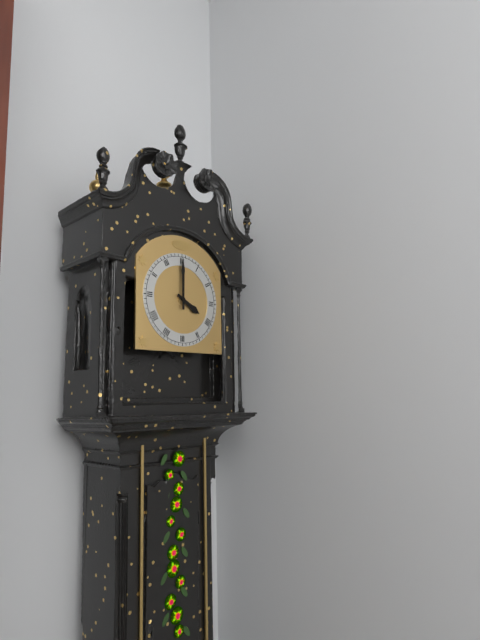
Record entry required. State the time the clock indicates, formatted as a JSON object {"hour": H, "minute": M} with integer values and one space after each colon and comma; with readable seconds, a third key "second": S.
{"hour": 4, "minute": 0}
